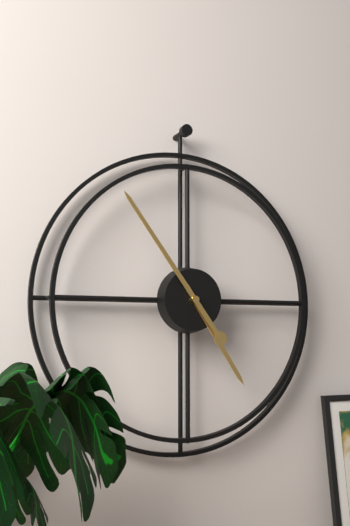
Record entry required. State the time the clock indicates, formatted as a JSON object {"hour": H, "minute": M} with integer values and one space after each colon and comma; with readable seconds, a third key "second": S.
{"hour": 4, "minute": 54}
